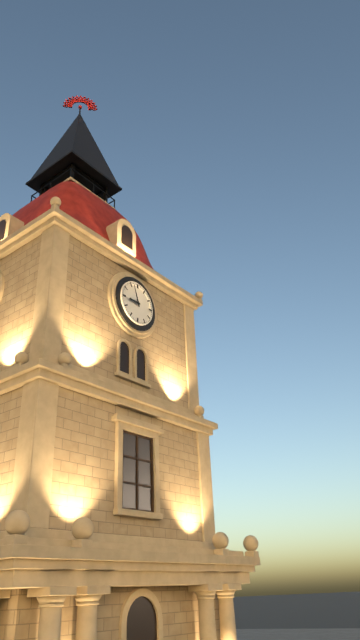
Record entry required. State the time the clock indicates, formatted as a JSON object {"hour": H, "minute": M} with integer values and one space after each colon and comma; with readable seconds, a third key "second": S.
{"hour": 8, "minute": 57}
